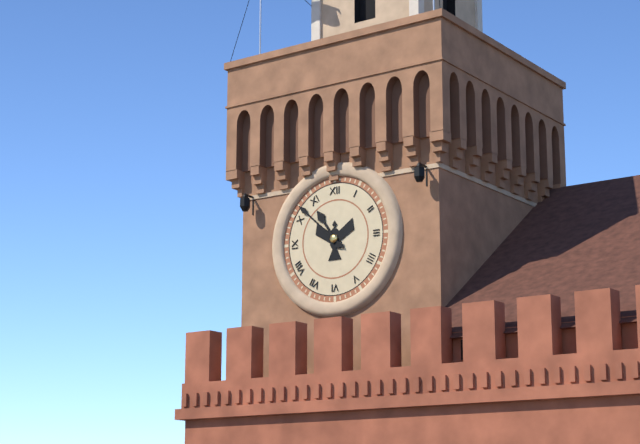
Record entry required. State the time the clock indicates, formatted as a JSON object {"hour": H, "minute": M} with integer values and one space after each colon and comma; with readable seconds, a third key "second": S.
{"hour": 10, "minute": 52}
